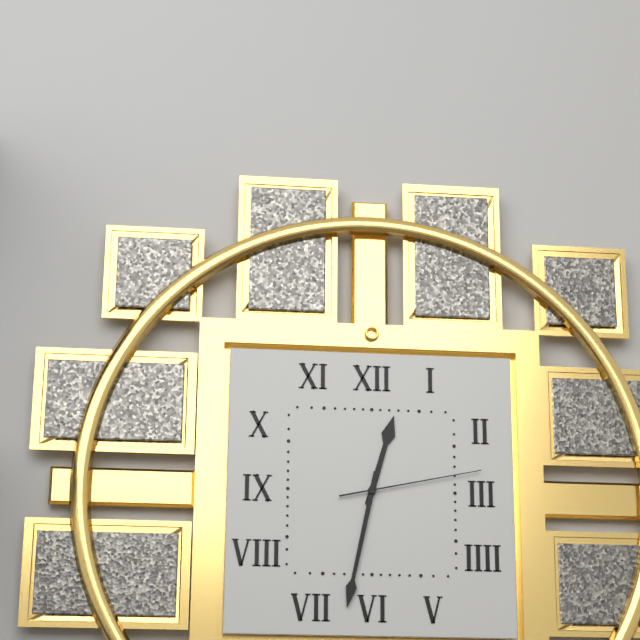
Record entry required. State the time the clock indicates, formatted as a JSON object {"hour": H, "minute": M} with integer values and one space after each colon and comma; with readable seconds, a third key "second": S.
{"hour": 12, "minute": 32, "second": 13}
